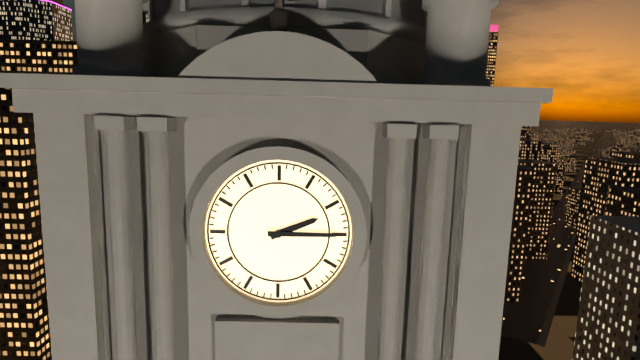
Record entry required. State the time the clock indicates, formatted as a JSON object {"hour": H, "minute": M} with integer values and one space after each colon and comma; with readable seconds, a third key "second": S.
{"hour": 2, "minute": 15}
